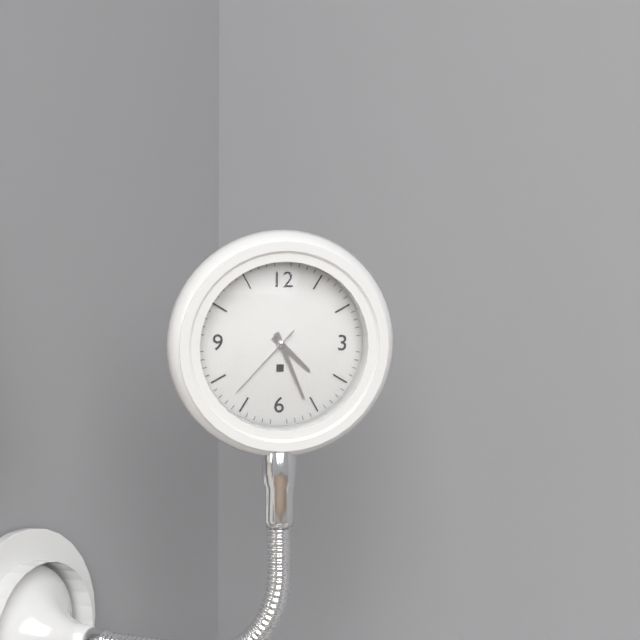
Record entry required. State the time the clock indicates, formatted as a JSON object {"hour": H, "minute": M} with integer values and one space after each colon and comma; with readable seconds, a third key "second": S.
{"hour": 4, "minute": 26, "second": 37}
